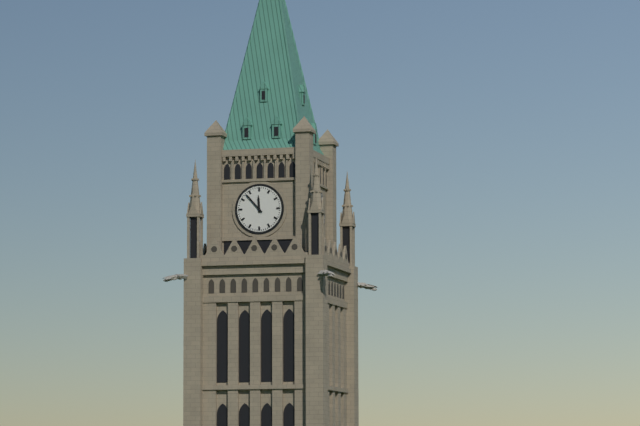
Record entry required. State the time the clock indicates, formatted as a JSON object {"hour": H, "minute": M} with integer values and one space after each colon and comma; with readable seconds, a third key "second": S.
{"hour": 11, "minute": 53}
